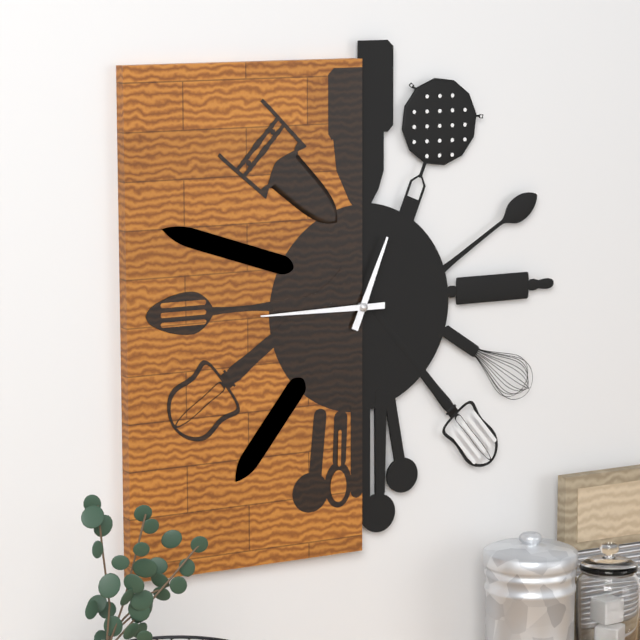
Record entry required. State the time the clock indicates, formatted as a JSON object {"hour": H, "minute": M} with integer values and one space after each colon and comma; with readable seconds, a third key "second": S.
{"hour": 12, "minute": 45}
